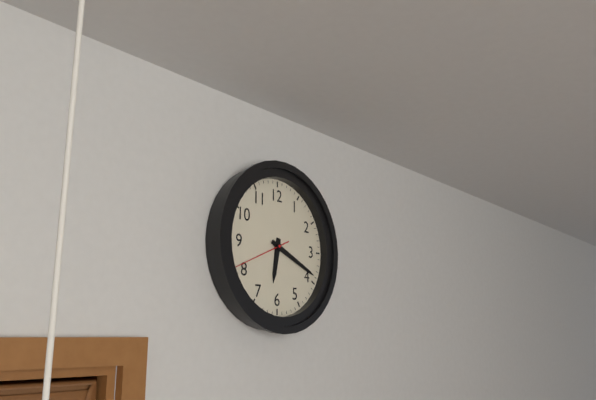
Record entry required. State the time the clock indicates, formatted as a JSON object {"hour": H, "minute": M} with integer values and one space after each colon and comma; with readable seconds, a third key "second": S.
{"hour": 6, "minute": 19, "second": 41}
